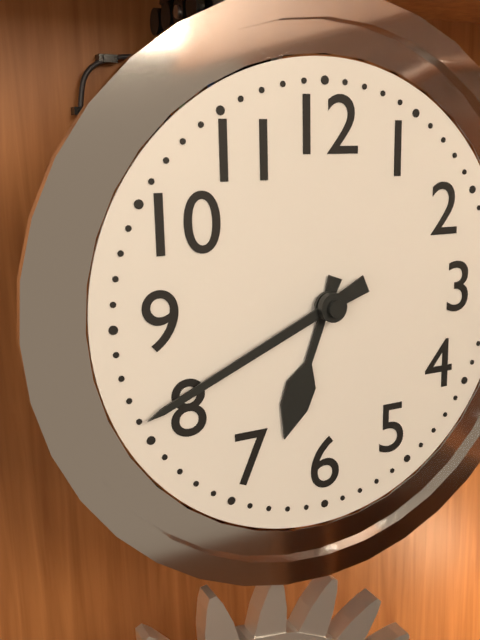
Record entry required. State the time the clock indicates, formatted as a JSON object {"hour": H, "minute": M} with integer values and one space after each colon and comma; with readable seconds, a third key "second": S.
{"hour": 6, "minute": 41}
